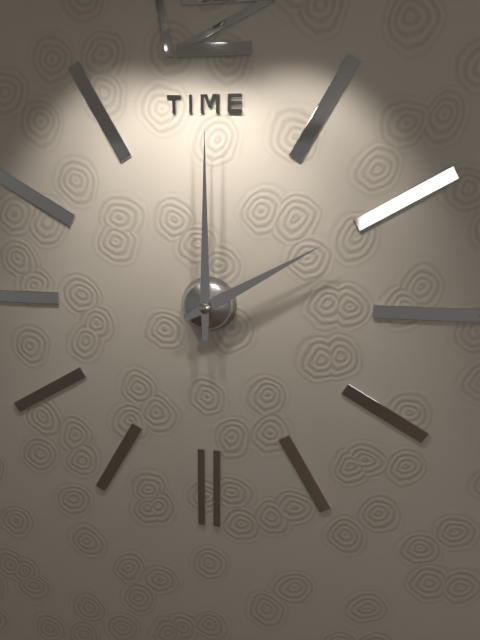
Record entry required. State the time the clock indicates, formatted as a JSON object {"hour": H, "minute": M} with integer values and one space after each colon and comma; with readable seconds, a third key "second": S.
{"hour": 2, "minute": 0}
